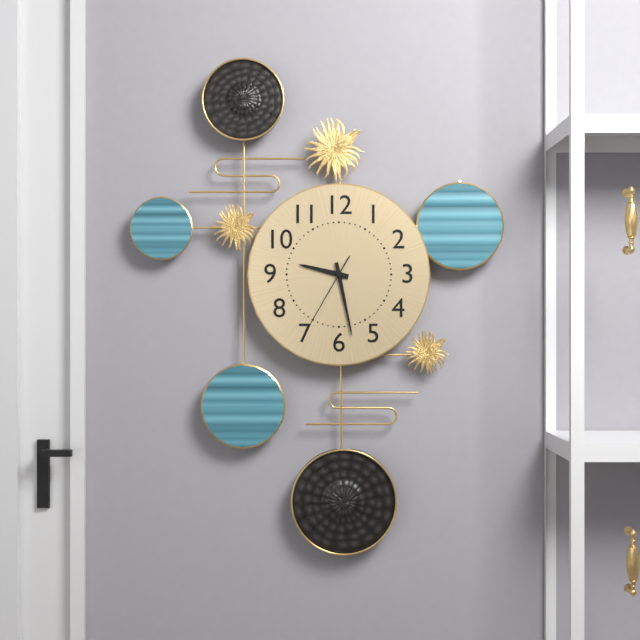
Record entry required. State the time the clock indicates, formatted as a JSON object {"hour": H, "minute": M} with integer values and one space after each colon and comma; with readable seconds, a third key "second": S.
{"hour": 9, "minute": 28, "second": 35}
